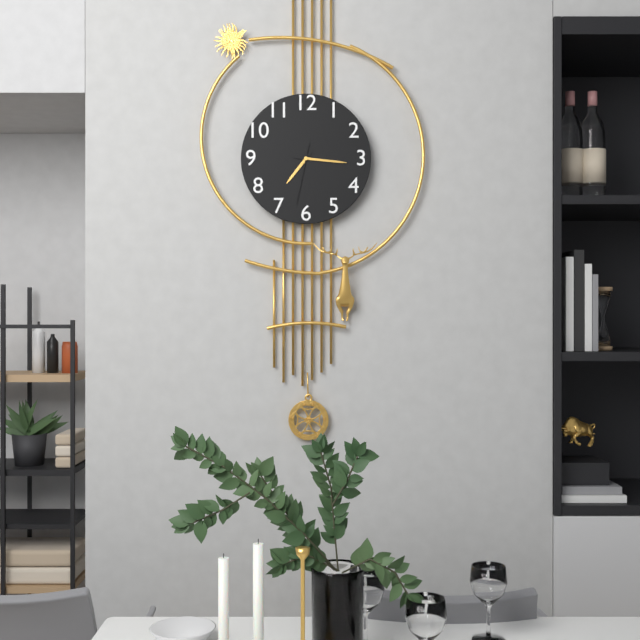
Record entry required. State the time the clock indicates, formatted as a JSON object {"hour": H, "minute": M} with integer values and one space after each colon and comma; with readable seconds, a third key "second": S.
{"hour": 7, "minute": 16, "second": 32}
